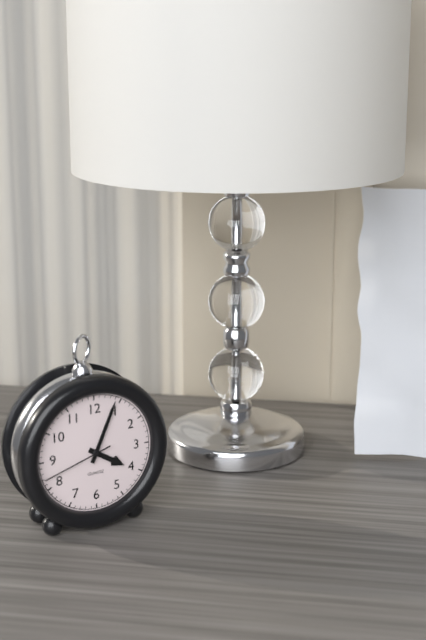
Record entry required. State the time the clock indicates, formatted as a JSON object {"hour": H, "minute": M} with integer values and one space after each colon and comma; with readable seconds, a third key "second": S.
{"hour": 4, "minute": 4, "second": 42}
